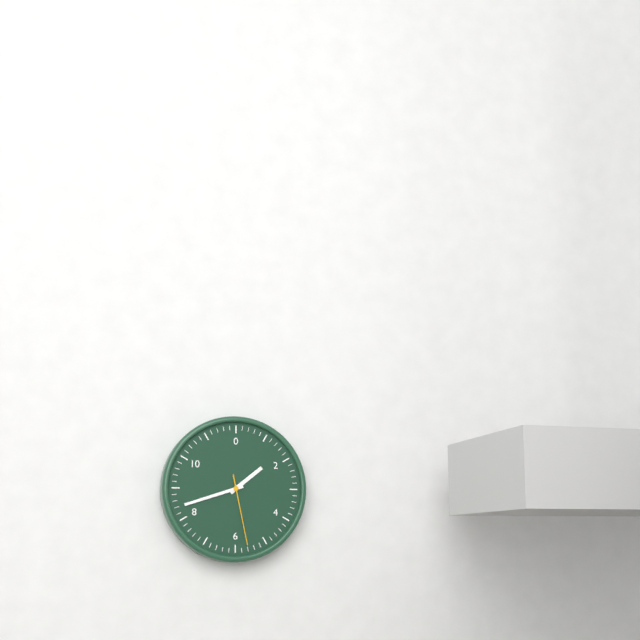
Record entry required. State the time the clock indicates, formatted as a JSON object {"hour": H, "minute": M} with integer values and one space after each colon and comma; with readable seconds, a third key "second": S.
{"hour": 1, "minute": 42, "second": 28}
